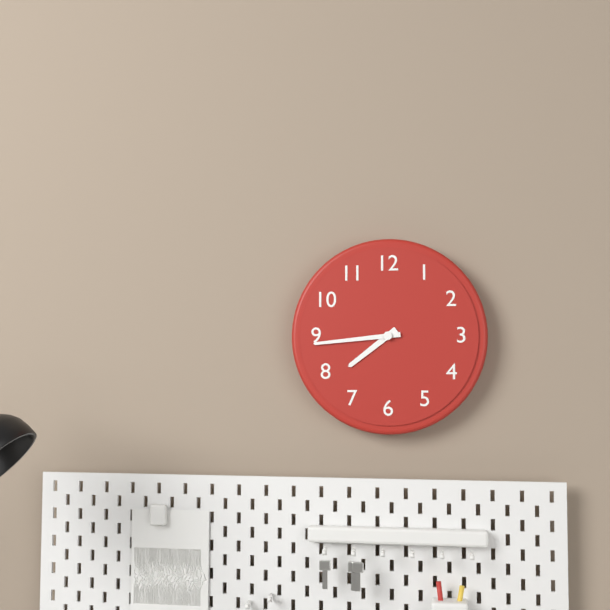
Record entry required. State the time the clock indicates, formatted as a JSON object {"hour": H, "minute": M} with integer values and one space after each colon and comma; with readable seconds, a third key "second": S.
{"hour": 7, "minute": 44}
